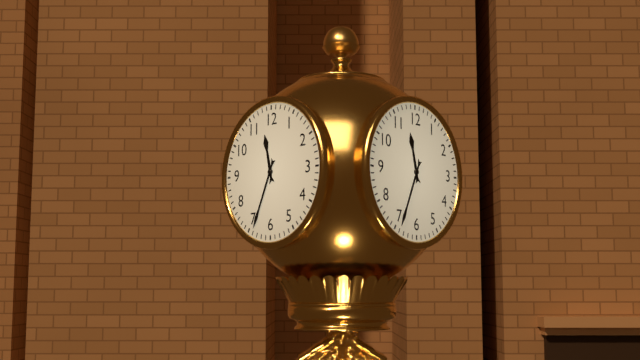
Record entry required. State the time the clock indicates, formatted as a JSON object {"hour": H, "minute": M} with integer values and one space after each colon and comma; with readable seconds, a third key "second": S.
{"hour": 11, "minute": 34}
